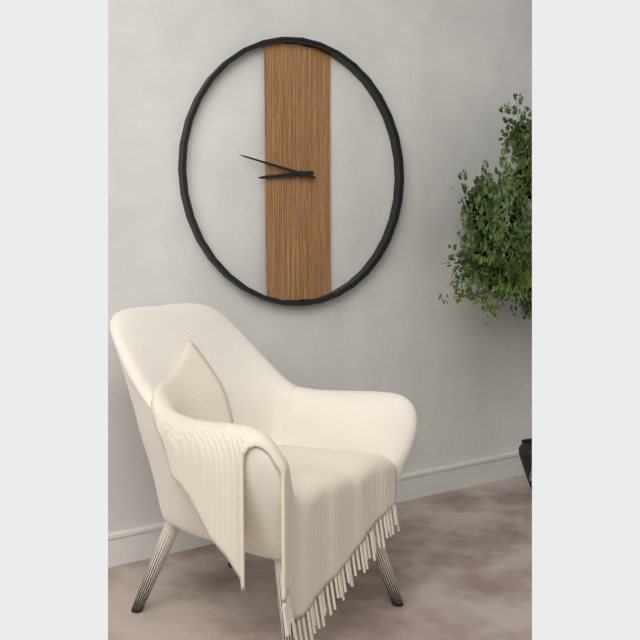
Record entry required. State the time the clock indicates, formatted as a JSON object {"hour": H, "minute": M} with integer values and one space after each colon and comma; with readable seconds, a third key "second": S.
{"hour": 8, "minute": 47}
